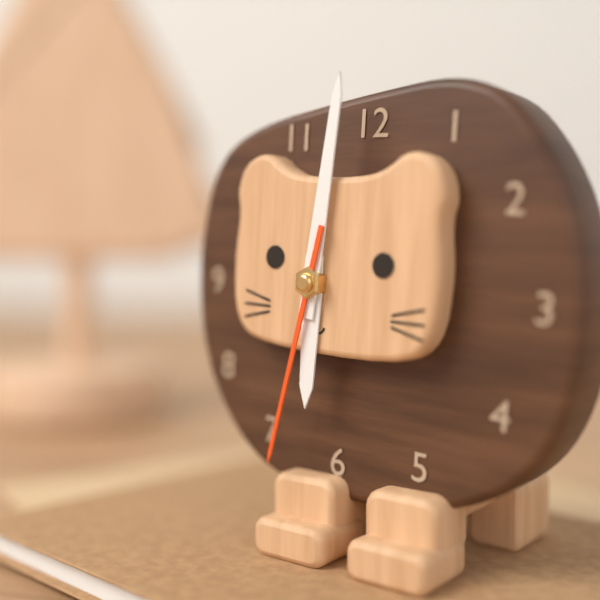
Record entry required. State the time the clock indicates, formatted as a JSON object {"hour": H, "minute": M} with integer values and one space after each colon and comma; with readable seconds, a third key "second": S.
{"hour": 6, "minute": 1, "second": 32}
